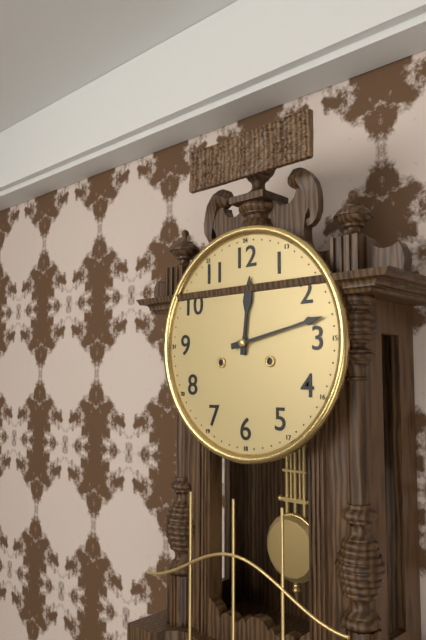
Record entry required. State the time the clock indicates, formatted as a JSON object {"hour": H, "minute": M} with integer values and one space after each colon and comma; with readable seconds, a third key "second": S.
{"hour": 12, "minute": 13}
